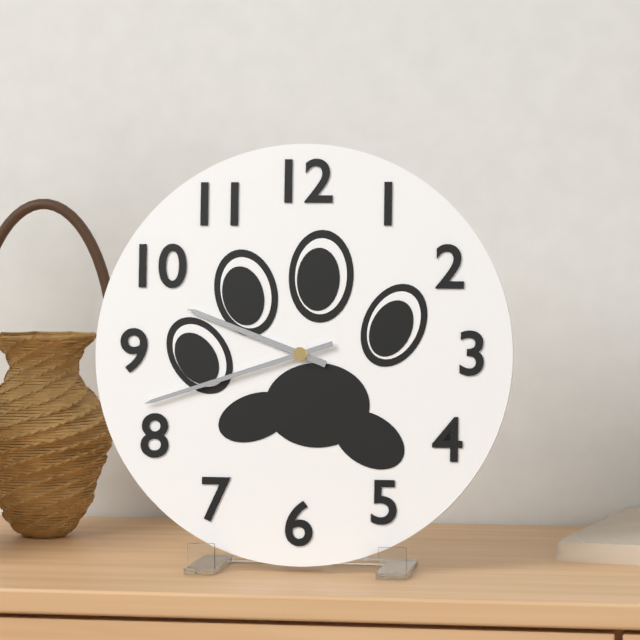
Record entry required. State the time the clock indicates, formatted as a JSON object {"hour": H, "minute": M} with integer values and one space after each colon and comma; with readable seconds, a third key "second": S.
{"hour": 9, "minute": 42}
